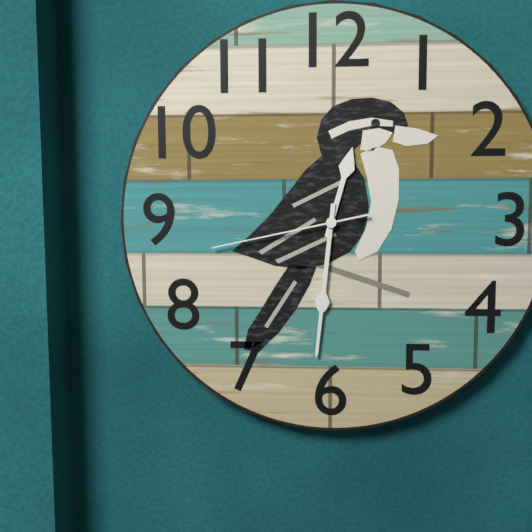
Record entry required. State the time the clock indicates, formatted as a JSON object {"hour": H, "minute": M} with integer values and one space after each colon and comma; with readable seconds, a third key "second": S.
{"hour": 12, "minute": 31, "second": 43}
